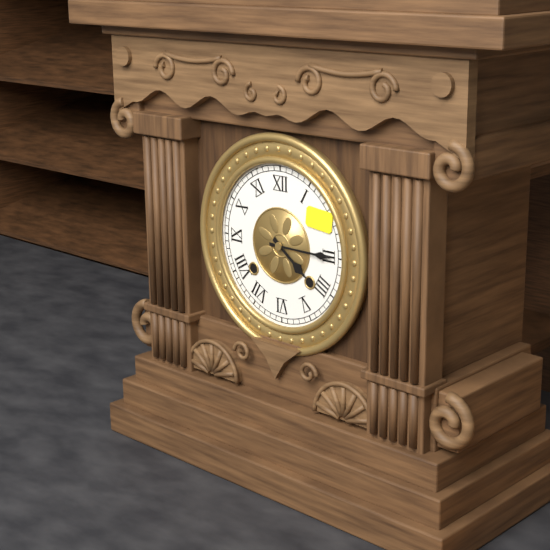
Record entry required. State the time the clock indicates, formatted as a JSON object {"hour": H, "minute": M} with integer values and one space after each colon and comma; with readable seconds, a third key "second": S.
{"hour": 4, "minute": 15}
